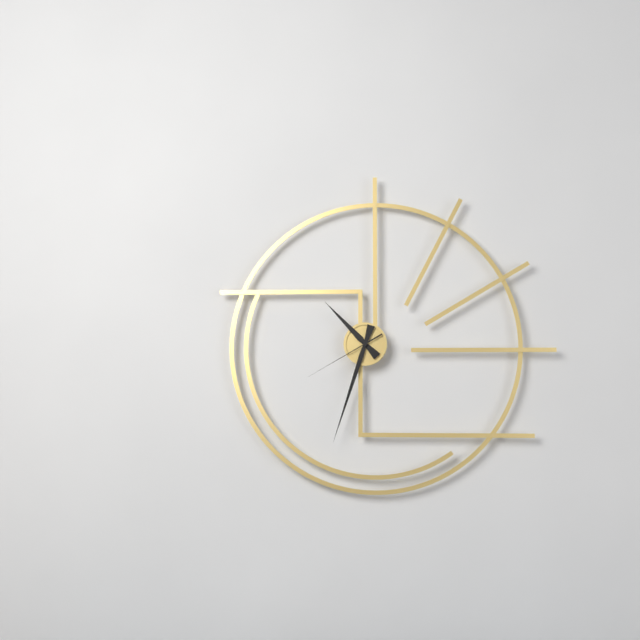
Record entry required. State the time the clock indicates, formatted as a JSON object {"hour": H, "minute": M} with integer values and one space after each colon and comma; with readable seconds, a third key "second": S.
{"hour": 10, "minute": 33, "second": 40}
